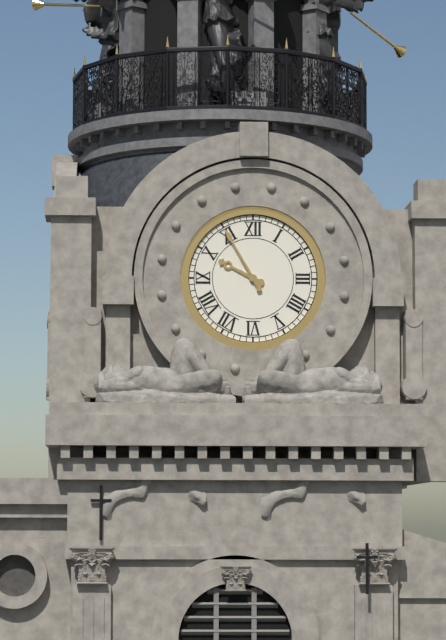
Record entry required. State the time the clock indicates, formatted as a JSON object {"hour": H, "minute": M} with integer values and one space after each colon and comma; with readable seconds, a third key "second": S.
{"hour": 9, "minute": 55}
